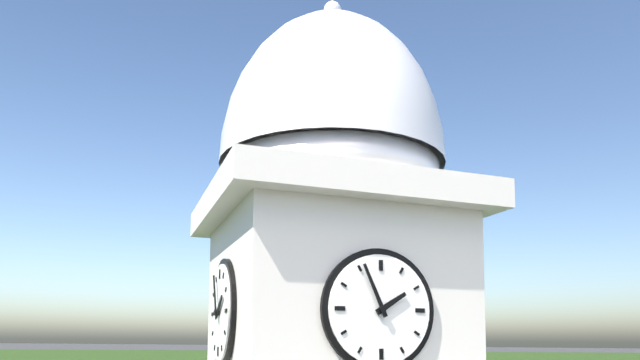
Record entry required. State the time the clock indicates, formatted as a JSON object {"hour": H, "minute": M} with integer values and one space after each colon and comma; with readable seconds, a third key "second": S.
{"hour": 1, "minute": 56}
